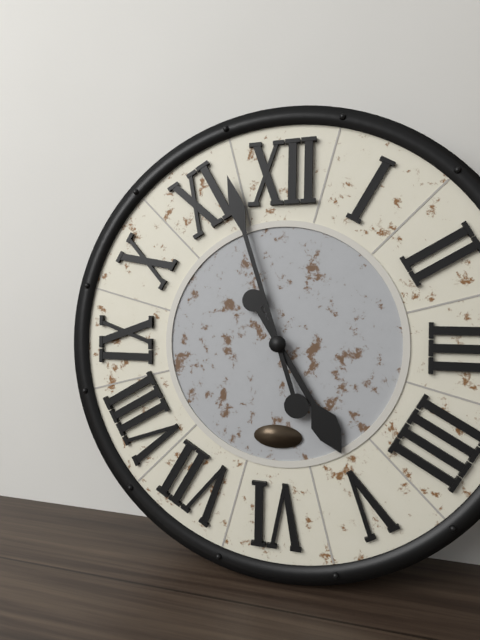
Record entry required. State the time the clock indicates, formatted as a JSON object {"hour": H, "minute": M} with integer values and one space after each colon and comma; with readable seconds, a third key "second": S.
{"hour": 4, "minute": 57}
